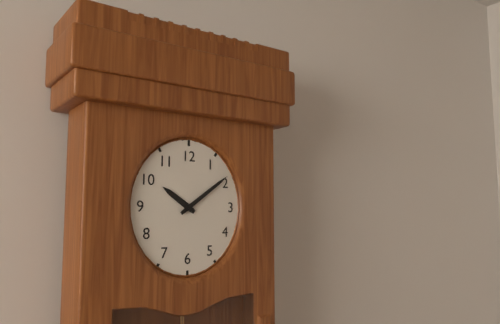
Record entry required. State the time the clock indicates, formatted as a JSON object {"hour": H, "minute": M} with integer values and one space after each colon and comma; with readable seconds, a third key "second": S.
{"hour": 10, "minute": 9}
